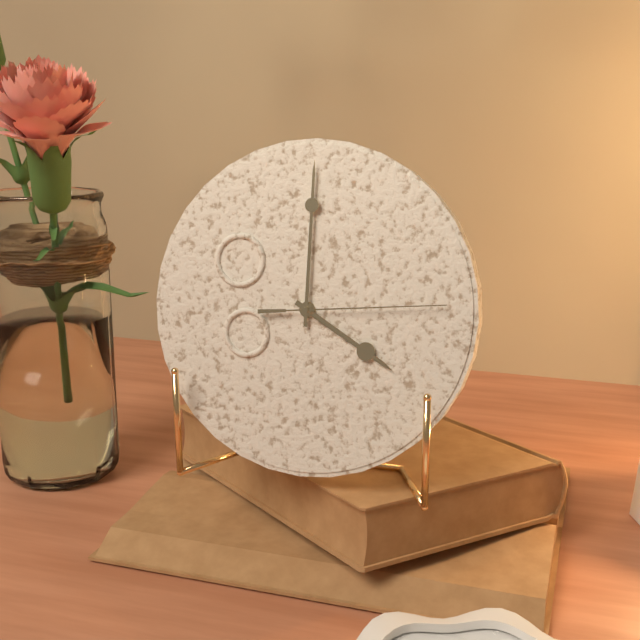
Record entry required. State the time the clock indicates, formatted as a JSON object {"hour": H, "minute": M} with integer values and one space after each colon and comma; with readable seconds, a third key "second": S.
{"hour": 4, "minute": 0, "second": 14}
